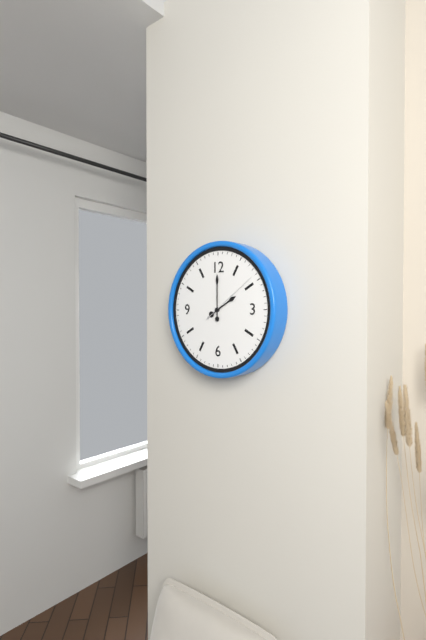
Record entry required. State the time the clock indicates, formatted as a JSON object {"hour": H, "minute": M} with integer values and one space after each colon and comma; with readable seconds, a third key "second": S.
{"hour": 2, "minute": 0, "second": 9}
